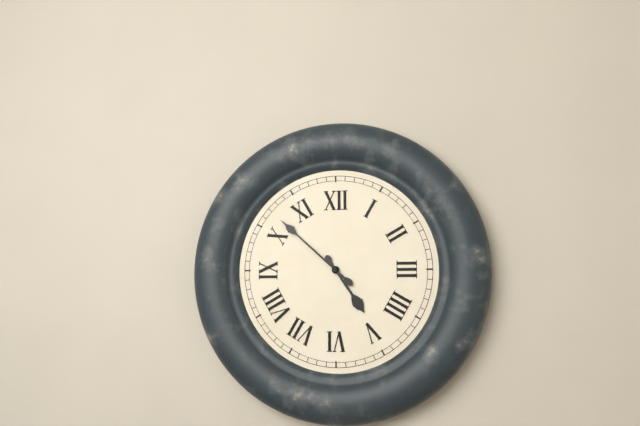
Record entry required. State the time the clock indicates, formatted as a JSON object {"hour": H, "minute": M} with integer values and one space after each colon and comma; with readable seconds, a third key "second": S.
{"hour": 4, "minute": 52}
